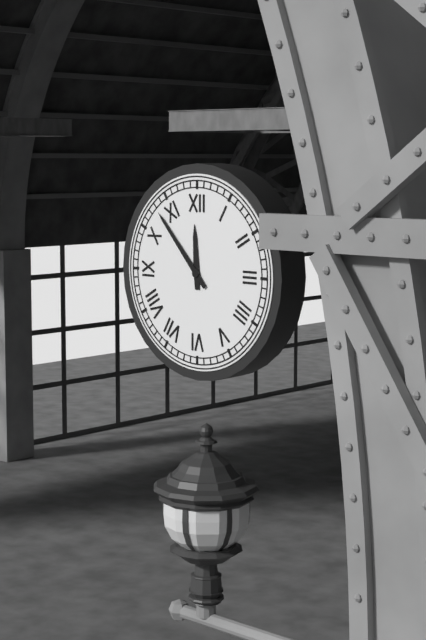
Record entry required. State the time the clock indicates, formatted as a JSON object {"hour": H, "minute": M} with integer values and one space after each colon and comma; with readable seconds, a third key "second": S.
{"hour": 11, "minute": 53}
